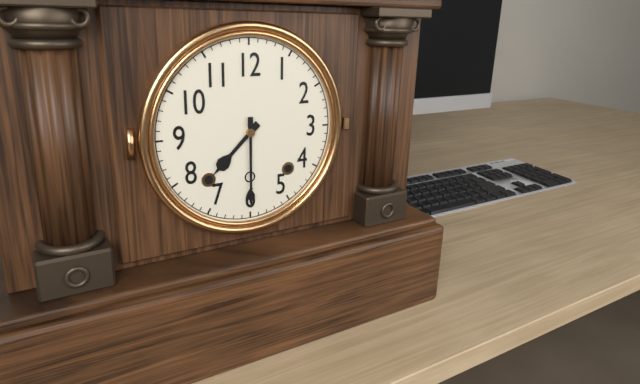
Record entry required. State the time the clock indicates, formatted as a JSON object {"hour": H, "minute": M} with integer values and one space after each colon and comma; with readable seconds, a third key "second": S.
{"hour": 7, "minute": 30}
